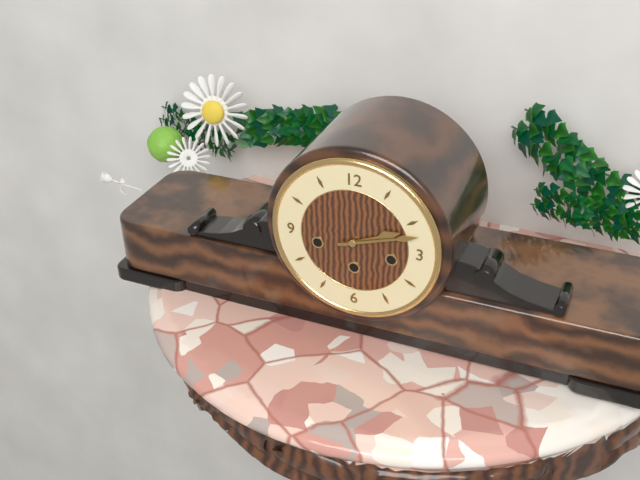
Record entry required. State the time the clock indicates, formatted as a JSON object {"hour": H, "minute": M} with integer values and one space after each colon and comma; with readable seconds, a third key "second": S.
{"hour": 2, "minute": 12}
